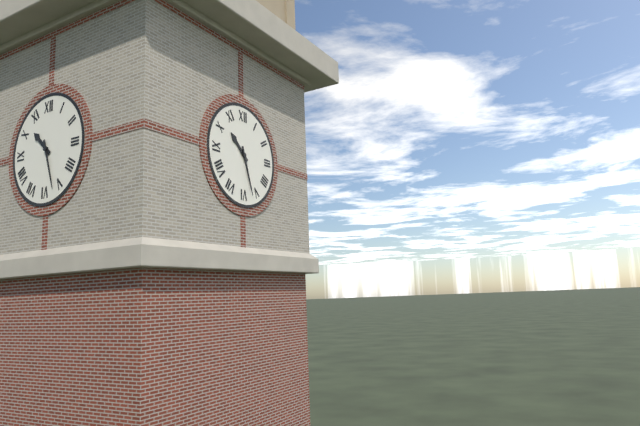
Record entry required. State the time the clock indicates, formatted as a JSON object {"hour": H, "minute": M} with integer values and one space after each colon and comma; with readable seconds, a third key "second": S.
{"hour": 10, "minute": 27}
